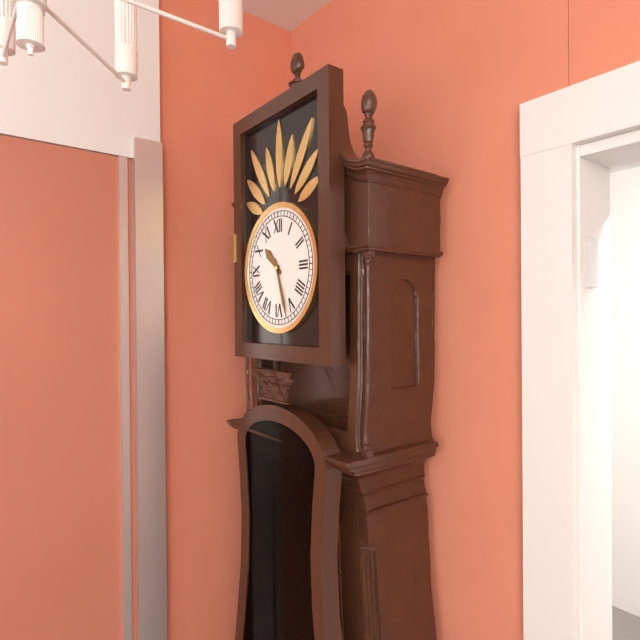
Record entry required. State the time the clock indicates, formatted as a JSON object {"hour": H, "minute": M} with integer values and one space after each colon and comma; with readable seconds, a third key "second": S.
{"hour": 10, "minute": 27}
